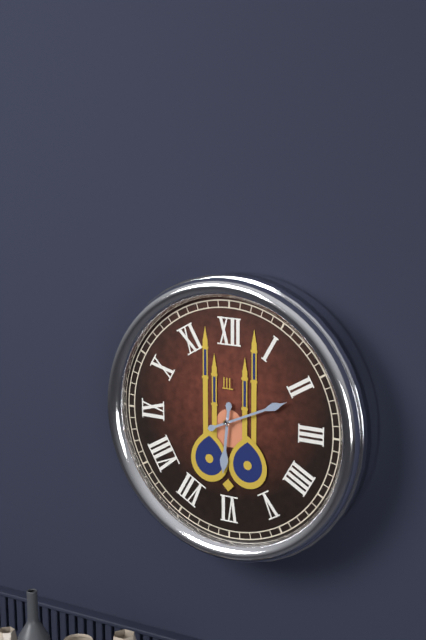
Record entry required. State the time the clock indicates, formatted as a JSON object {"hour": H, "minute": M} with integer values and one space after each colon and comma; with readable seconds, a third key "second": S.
{"hour": 6, "minute": 11}
